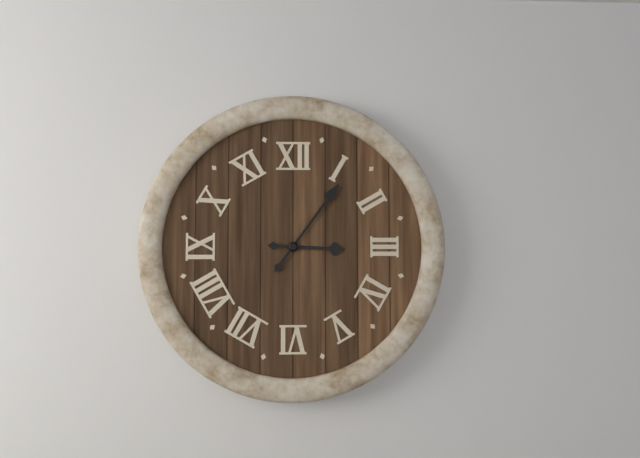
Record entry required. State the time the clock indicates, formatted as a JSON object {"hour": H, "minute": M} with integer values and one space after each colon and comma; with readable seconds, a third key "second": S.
{"hour": 3, "minute": 6}
